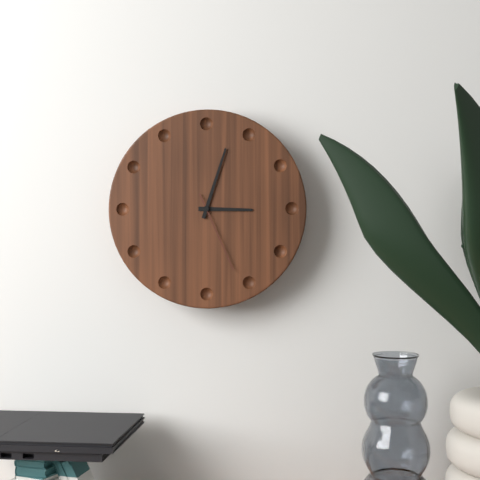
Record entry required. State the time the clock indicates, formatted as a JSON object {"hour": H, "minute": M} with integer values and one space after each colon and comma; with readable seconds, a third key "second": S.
{"hour": 3, "minute": 3, "second": 26}
